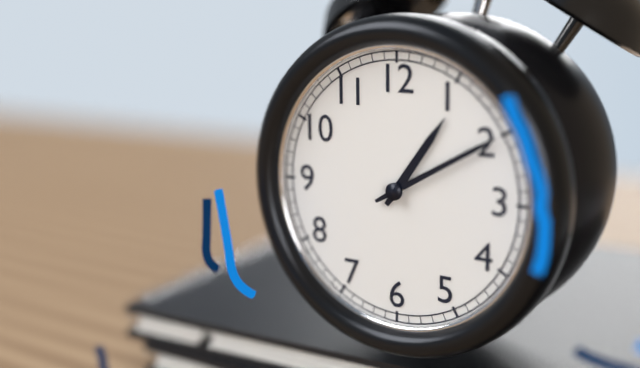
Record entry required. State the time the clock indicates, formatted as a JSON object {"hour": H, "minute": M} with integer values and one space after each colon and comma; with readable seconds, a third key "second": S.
{"hour": 1, "minute": 10}
